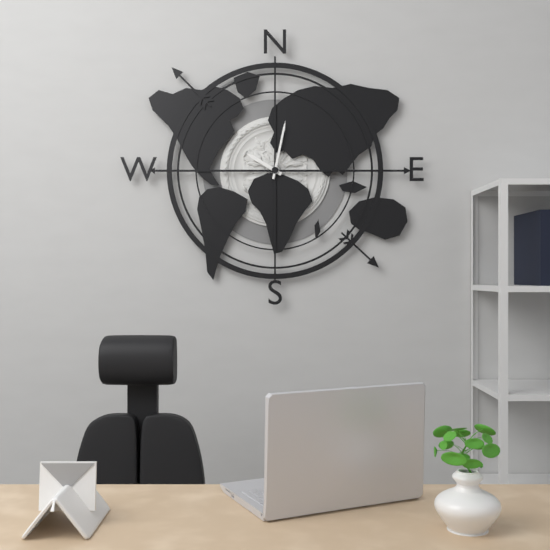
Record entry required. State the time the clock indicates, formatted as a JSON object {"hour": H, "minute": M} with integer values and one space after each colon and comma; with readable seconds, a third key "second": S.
{"hour": 10, "minute": 2}
